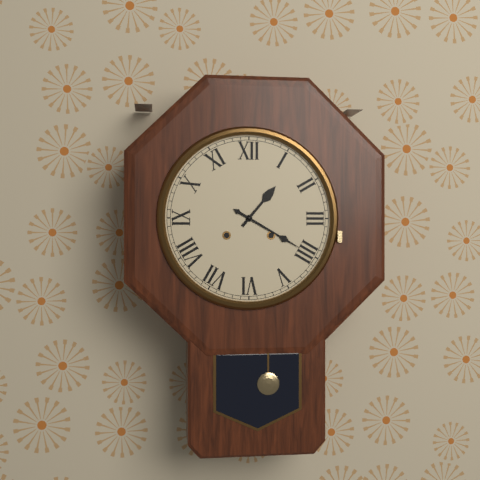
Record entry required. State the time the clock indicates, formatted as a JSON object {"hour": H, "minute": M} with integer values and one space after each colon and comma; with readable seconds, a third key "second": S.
{"hour": 1, "minute": 20}
